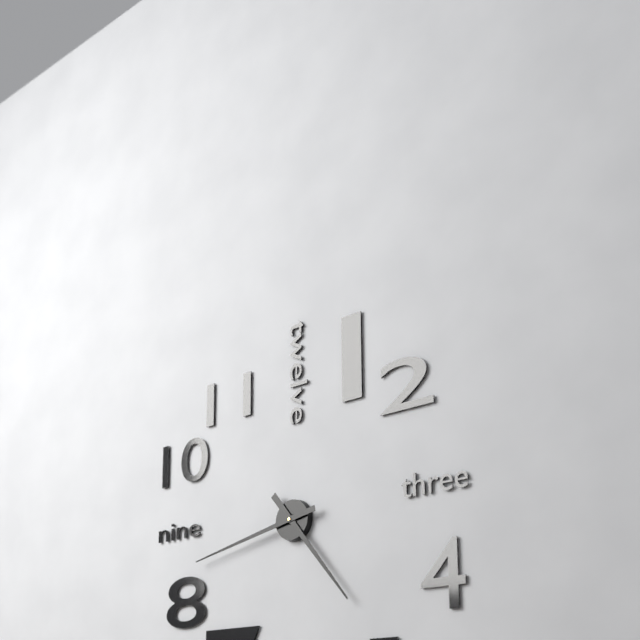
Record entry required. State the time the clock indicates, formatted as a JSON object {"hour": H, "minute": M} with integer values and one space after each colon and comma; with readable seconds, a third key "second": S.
{"hour": 4, "minute": 43}
